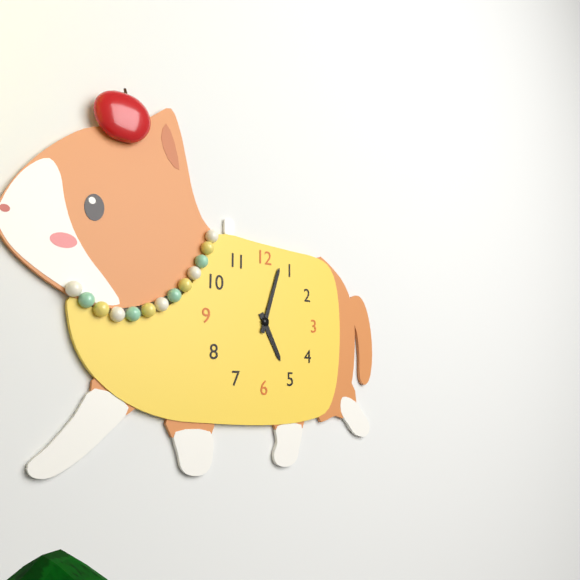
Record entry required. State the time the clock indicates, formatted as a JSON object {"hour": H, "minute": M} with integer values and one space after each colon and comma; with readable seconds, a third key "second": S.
{"hour": 5, "minute": 3}
